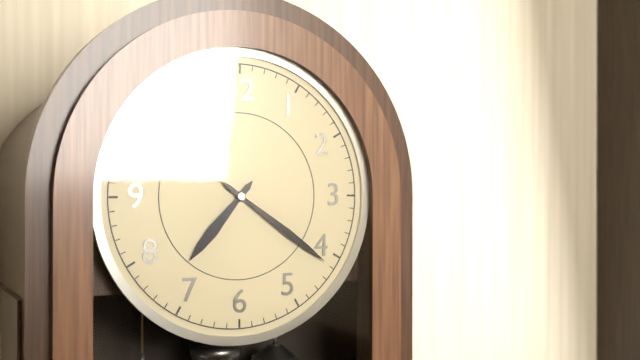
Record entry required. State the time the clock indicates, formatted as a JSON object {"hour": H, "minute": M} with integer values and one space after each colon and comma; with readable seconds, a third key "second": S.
{"hour": 7, "minute": 21}
